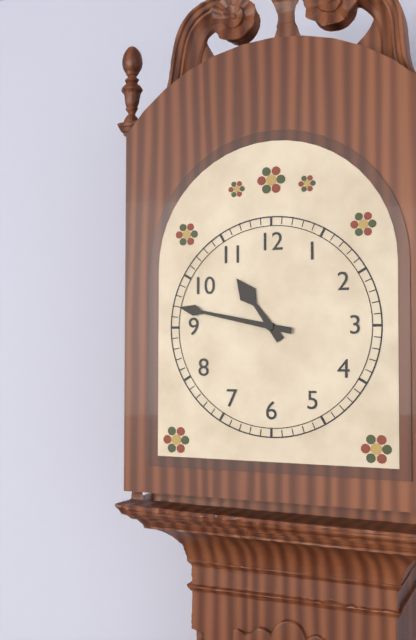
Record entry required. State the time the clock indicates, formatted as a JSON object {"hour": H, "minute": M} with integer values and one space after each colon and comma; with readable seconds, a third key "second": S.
{"hour": 10, "minute": 47}
